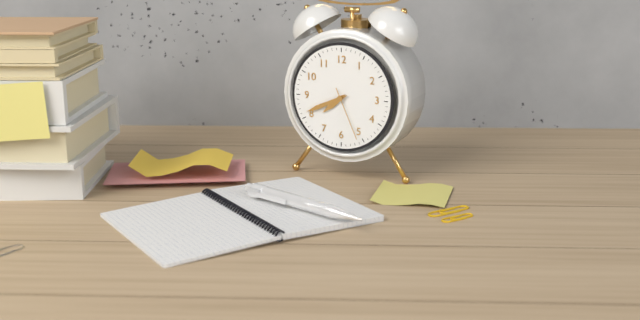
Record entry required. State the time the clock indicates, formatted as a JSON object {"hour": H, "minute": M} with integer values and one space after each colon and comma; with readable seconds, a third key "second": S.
{"hour": 7, "minute": 41, "second": 26}
